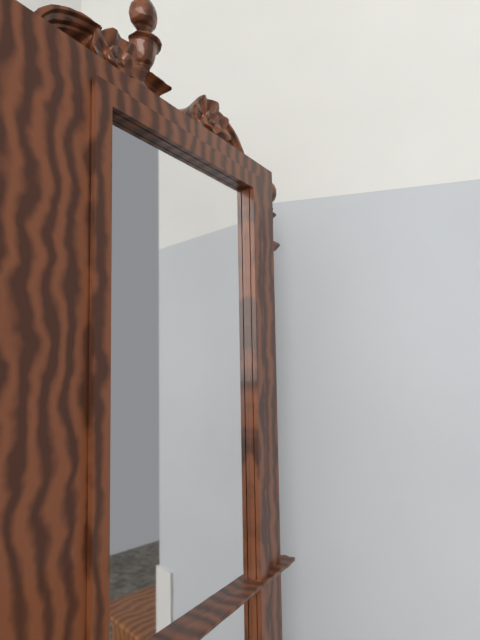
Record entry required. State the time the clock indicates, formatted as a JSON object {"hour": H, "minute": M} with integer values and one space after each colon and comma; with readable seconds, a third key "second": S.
{"hour": 1, "minute": 3}
